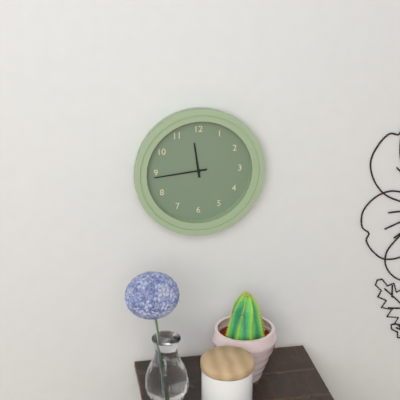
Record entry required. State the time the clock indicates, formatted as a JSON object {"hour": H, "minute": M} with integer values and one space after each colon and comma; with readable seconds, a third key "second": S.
{"hour": 11, "minute": 44}
